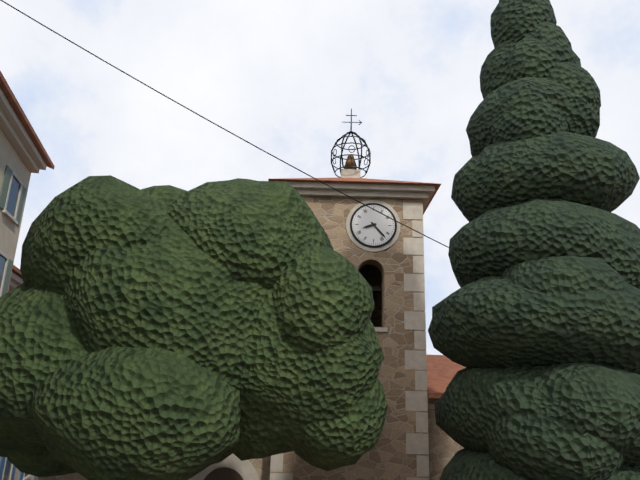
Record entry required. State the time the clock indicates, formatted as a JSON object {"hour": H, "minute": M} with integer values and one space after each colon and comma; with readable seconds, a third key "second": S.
{"hour": 8, "minute": 23}
